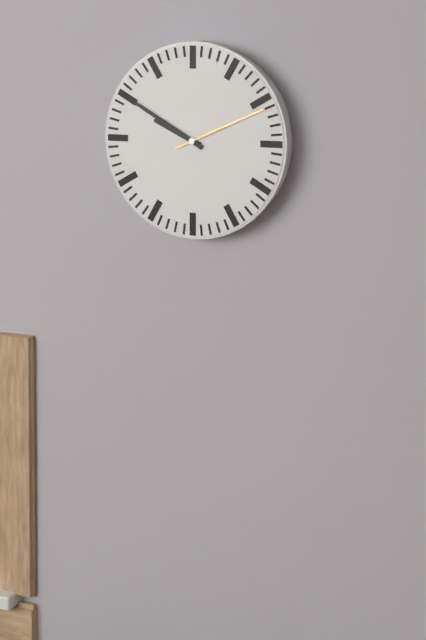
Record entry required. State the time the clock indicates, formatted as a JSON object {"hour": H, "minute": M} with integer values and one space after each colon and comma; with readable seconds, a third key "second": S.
{"hour": 9, "minute": 50, "second": 11}
